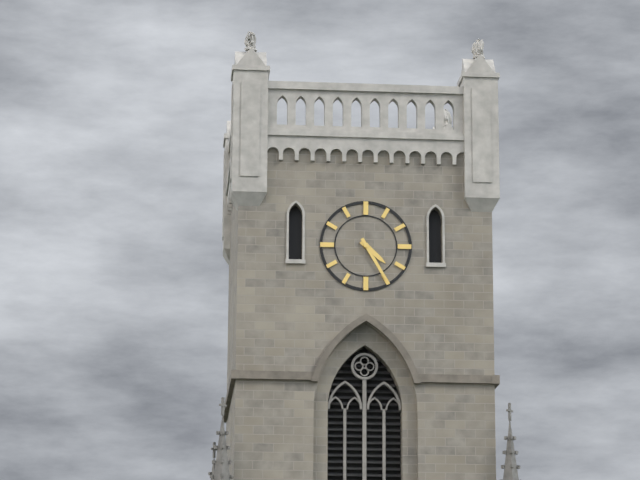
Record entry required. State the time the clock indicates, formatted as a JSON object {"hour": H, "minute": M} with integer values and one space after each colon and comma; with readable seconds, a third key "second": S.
{"hour": 4, "minute": 25}
